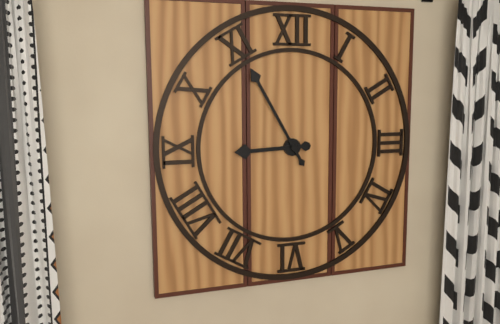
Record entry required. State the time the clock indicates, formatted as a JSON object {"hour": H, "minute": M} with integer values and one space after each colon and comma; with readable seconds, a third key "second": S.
{"hour": 8, "minute": 55}
